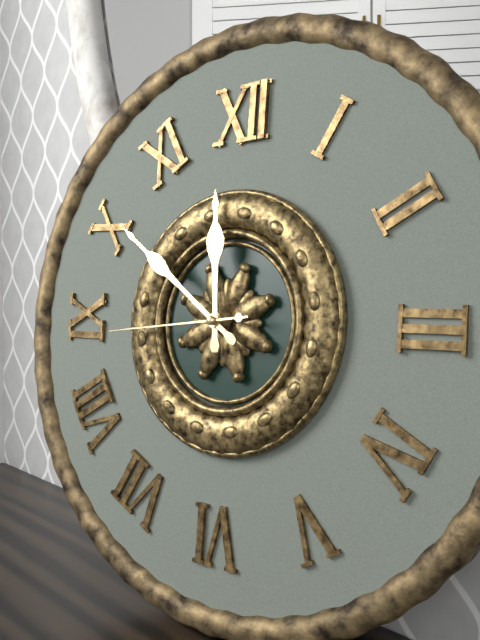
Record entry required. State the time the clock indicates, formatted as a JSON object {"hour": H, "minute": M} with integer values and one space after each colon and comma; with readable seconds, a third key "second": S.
{"hour": 11, "minute": 51, "second": 44}
